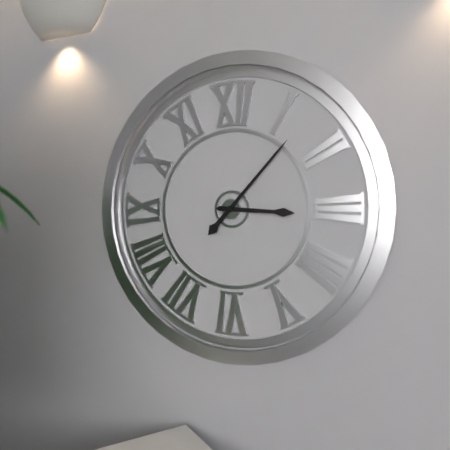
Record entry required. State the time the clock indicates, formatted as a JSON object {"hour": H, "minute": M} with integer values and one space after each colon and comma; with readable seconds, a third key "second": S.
{"hour": 3, "minute": 7}
